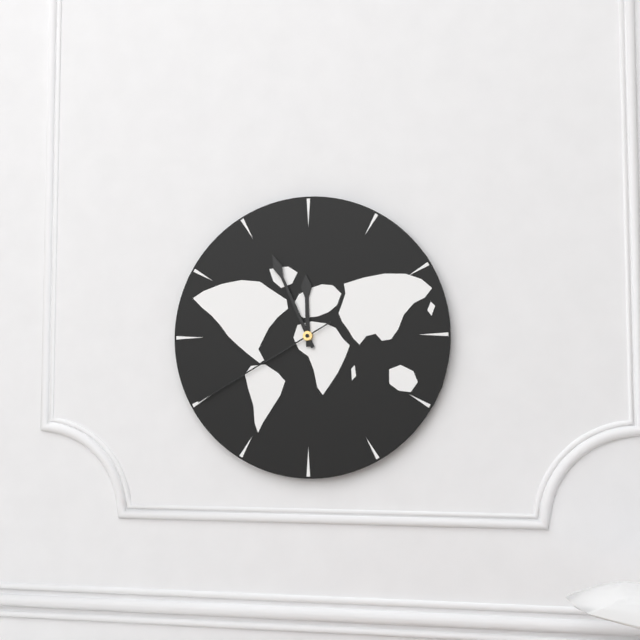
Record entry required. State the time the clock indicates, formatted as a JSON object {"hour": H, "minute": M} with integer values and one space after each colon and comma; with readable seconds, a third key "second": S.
{"hour": 11, "minute": 56, "second": 40}
